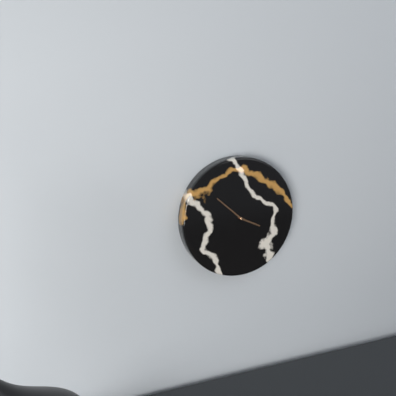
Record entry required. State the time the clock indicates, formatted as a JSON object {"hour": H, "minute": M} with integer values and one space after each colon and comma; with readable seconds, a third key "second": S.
{"hour": 3, "minute": 52}
